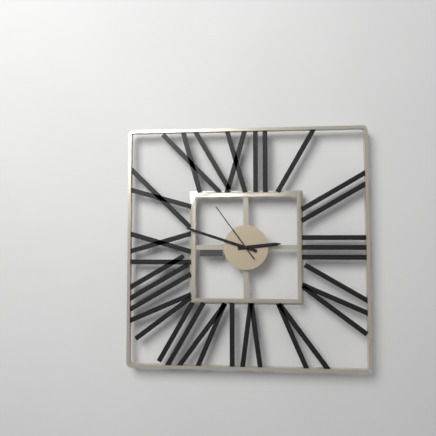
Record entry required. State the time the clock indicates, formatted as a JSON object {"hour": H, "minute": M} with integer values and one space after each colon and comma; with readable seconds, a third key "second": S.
{"hour": 2, "minute": 48, "second": 54}
